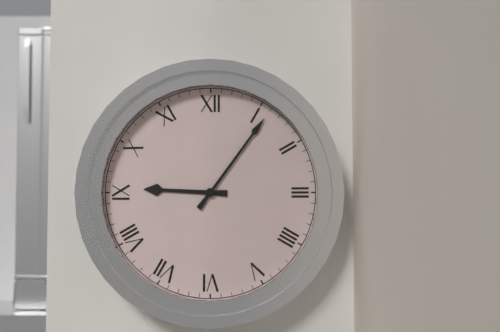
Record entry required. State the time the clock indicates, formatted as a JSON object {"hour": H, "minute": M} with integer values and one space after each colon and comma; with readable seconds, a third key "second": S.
{"hour": 9, "minute": 6}
